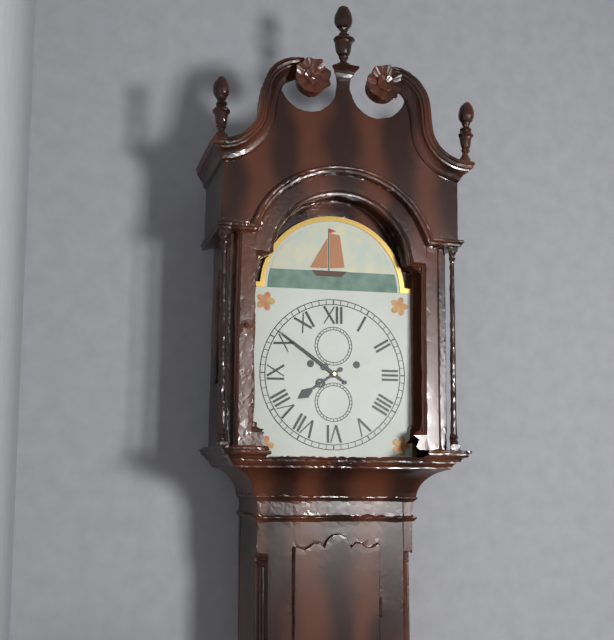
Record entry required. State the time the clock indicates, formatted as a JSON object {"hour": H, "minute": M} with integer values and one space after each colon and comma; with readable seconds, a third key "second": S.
{"hour": 7, "minute": 51}
